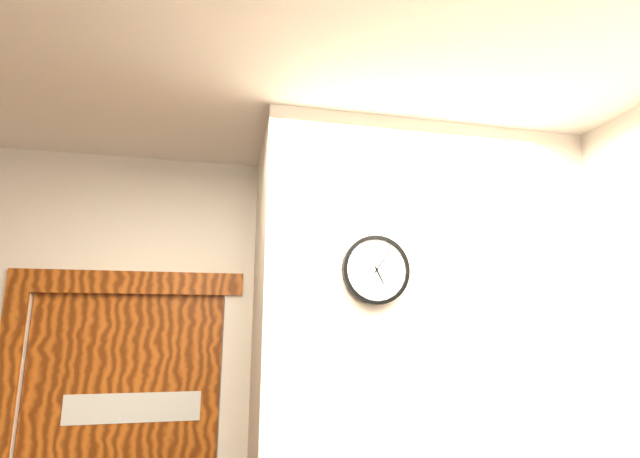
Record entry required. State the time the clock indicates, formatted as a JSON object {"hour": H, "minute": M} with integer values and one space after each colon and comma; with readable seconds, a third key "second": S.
{"hour": 5, "minute": 6}
